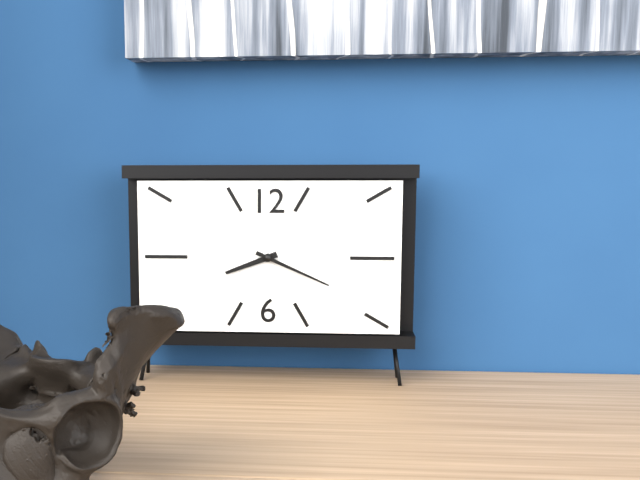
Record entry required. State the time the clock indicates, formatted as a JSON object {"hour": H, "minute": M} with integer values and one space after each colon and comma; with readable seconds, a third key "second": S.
{"hour": 8, "minute": 19}
